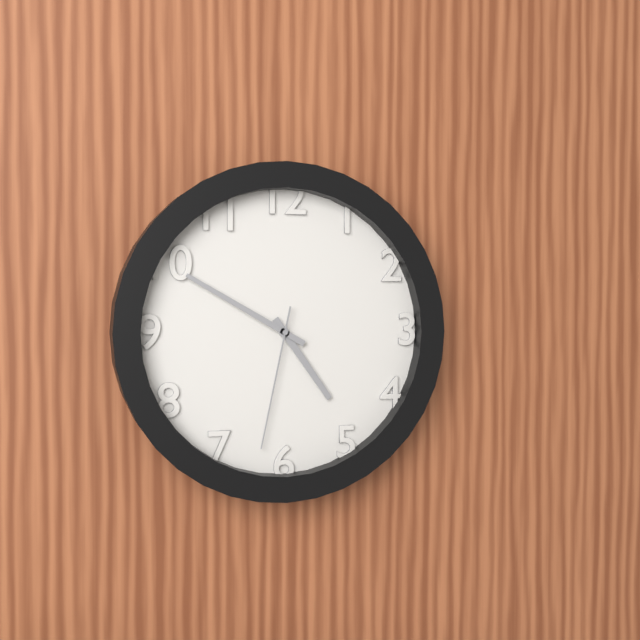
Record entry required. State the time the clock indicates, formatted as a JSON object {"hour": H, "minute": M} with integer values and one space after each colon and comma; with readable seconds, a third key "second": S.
{"hour": 4, "minute": 50, "second": 32}
